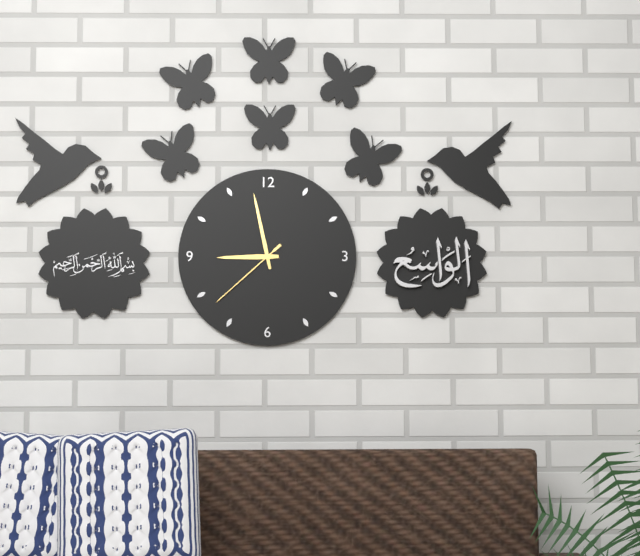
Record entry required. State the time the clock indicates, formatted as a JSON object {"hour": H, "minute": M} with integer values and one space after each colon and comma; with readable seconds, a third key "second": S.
{"hour": 8, "minute": 58, "second": 38}
